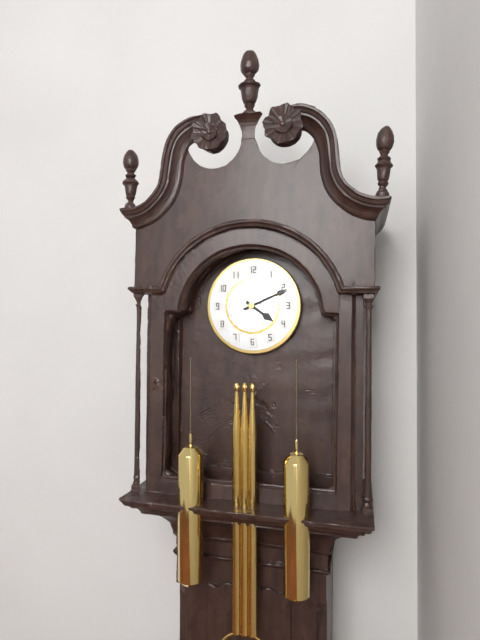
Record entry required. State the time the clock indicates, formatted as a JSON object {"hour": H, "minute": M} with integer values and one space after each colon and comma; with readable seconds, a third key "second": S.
{"hour": 4, "minute": 11}
